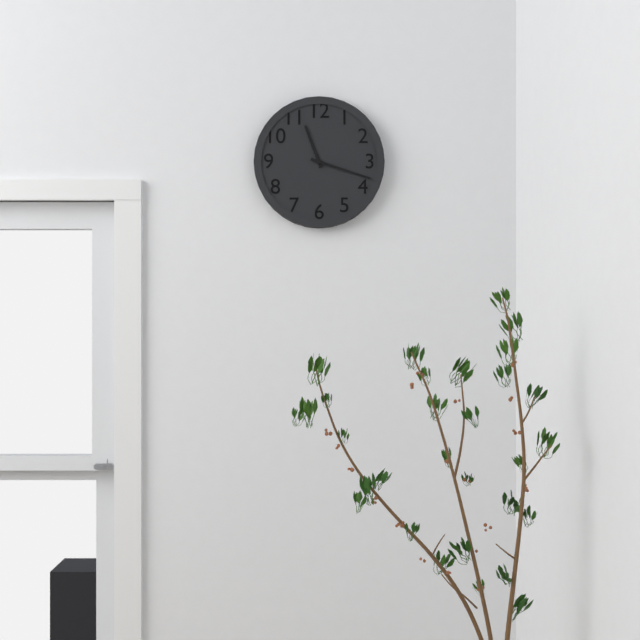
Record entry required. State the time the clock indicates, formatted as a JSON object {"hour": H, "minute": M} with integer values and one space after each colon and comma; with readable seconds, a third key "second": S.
{"hour": 11, "minute": 18}
